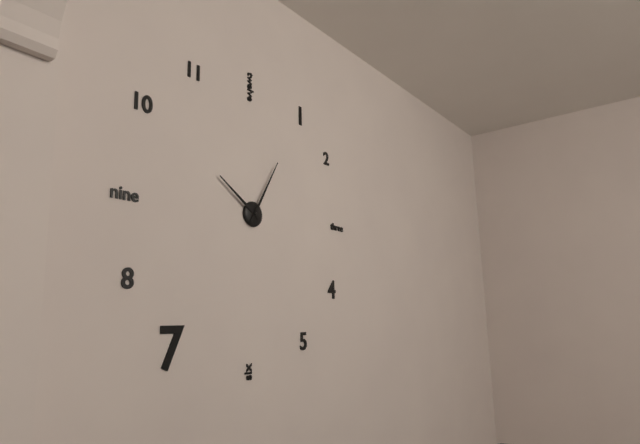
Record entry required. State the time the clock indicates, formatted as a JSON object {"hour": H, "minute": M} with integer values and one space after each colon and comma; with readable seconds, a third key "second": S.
{"hour": 10, "minute": 5}
